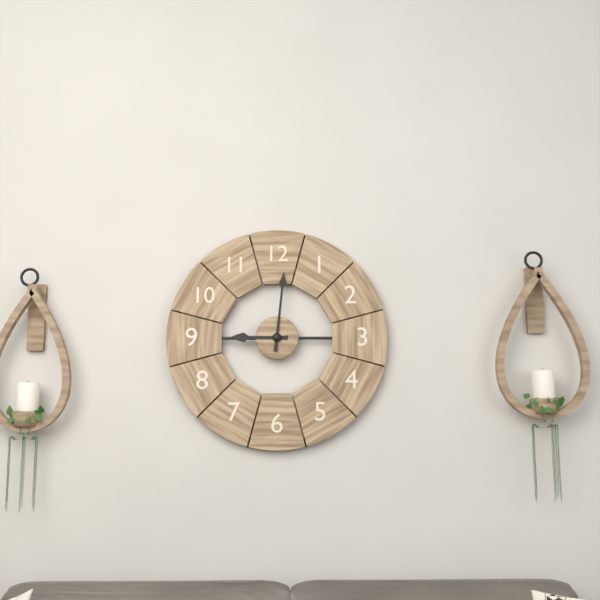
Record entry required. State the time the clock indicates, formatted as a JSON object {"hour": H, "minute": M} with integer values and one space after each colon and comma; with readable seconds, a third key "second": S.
{"hour": 9, "minute": 1}
